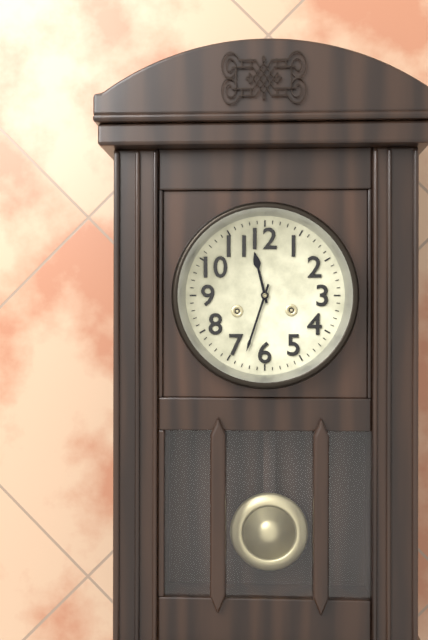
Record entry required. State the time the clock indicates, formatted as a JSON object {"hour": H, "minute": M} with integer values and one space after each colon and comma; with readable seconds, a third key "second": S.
{"hour": 11, "minute": 33}
